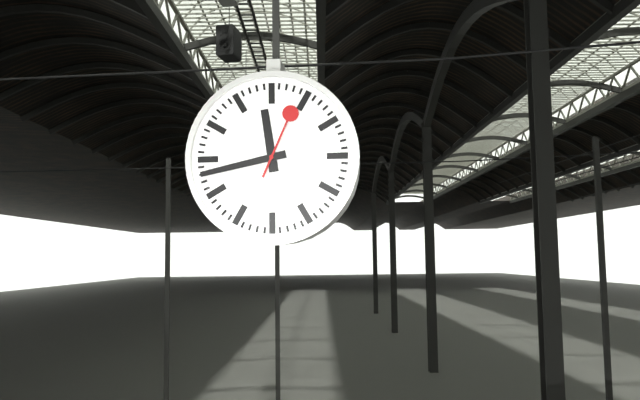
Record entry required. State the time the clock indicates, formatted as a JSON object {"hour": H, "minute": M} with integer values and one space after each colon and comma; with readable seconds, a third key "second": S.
{"hour": 11, "minute": 43, "second": 4}
